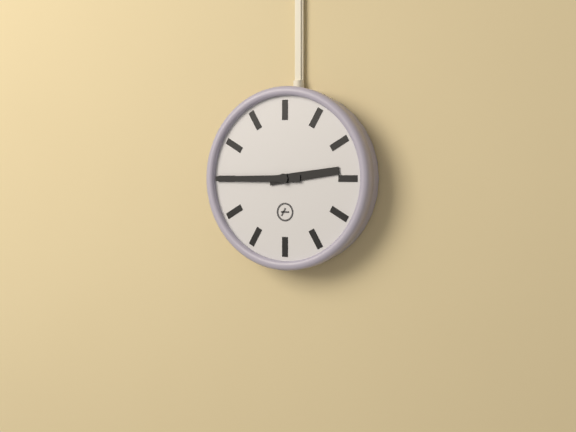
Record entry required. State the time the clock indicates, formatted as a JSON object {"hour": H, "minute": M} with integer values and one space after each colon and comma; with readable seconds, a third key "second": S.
{"hour": 2, "minute": 45}
